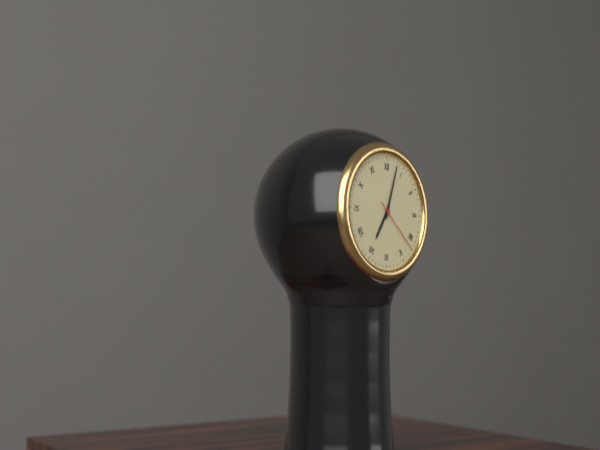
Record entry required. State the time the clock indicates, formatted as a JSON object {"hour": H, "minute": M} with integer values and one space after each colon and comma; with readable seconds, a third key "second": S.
{"hour": 7, "minute": 3, "second": 22}
